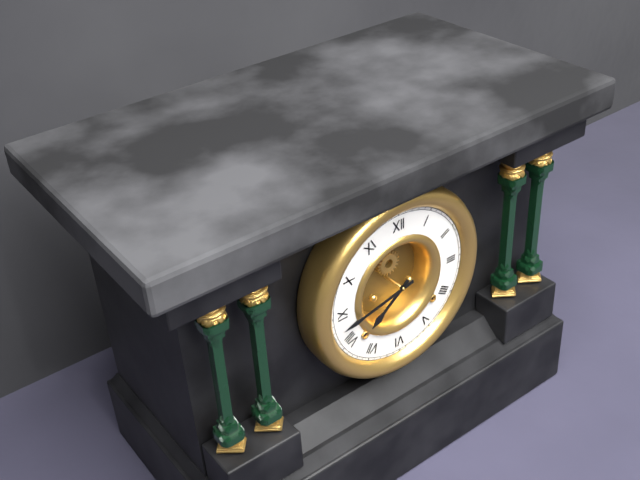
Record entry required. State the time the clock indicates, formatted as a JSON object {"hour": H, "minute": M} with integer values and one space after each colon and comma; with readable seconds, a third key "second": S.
{"hour": 7, "minute": 43}
